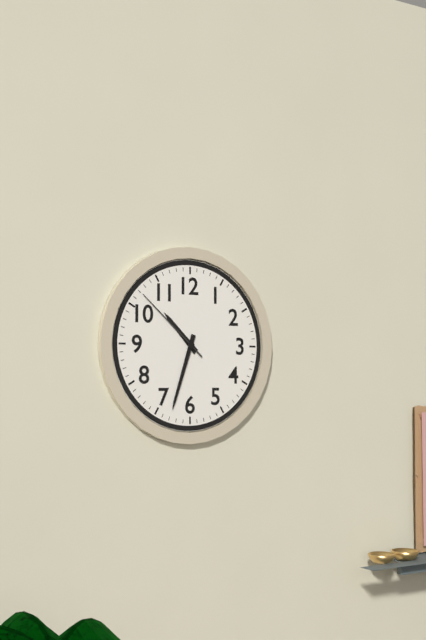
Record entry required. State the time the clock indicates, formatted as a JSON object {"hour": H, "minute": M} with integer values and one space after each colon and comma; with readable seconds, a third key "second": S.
{"hour": 10, "minute": 33, "second": 52}
